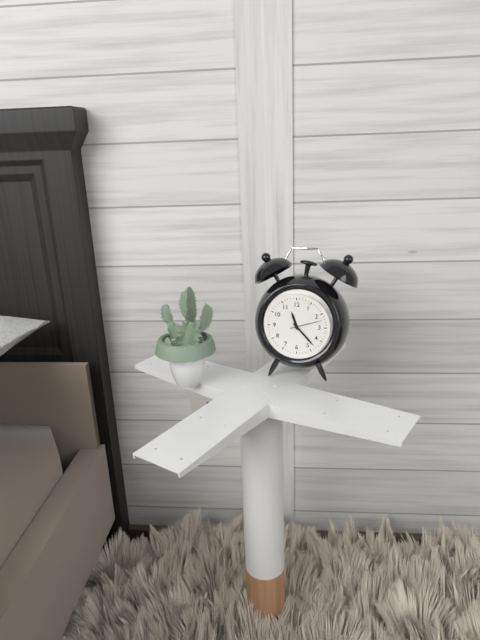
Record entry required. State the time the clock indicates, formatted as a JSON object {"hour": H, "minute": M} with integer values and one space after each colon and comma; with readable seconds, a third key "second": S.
{"hour": 11, "minute": 23}
